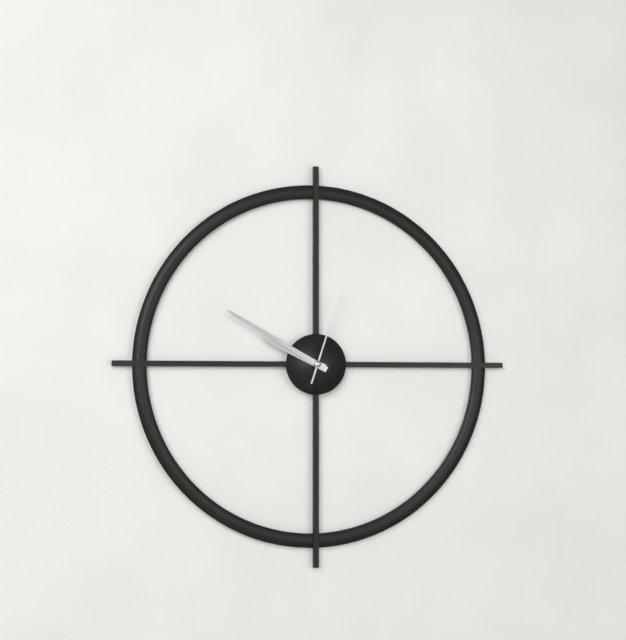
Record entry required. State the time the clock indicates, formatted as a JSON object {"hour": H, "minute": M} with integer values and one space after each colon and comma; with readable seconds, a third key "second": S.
{"hour": 9, "minute": 50, "second": 3}
